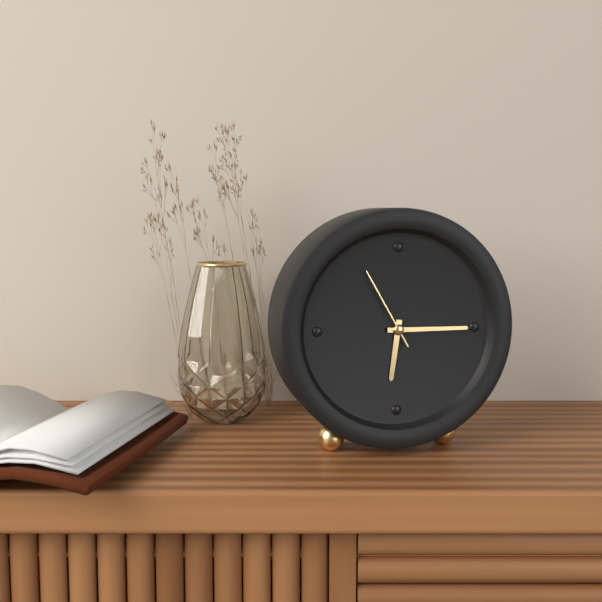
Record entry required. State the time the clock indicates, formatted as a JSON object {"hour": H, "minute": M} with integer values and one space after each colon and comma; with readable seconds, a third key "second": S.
{"hour": 6, "minute": 15, "second": 55}
